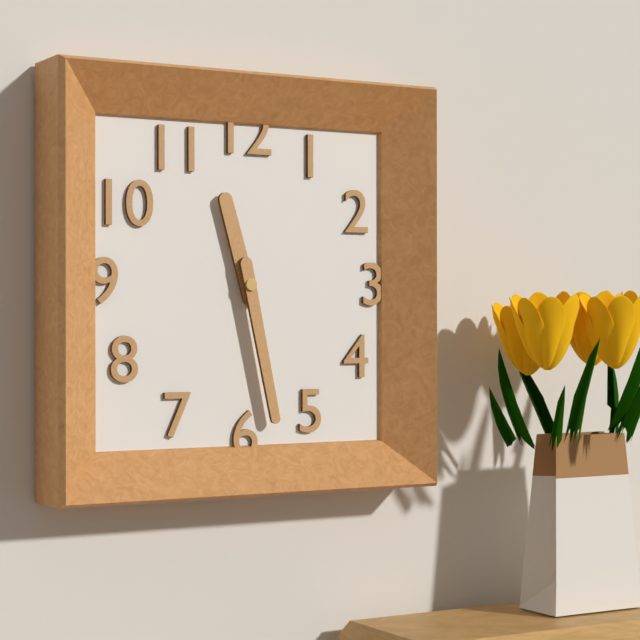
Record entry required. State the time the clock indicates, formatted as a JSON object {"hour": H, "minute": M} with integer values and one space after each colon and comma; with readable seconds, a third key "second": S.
{"hour": 11, "minute": 28}
